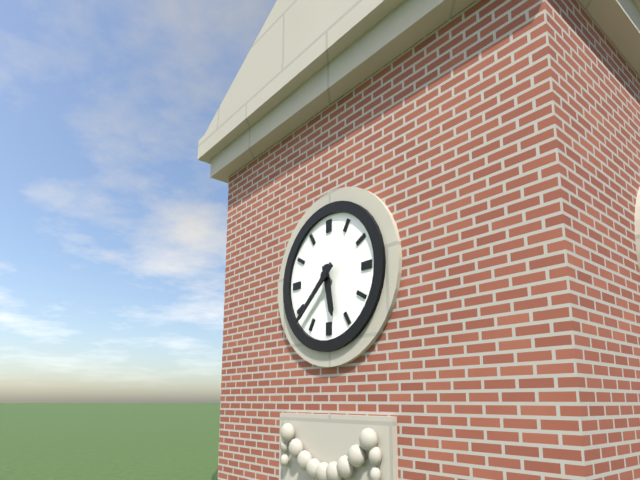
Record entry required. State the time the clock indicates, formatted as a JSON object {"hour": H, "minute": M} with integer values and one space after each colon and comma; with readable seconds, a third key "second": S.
{"hour": 5, "minute": 38}
